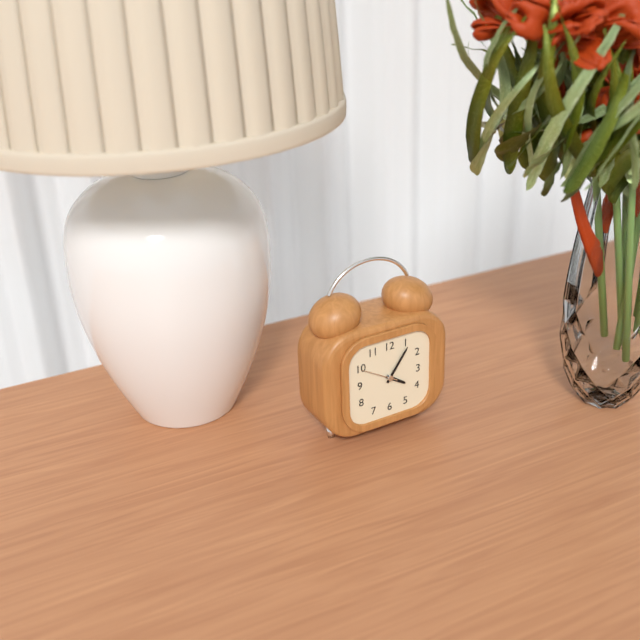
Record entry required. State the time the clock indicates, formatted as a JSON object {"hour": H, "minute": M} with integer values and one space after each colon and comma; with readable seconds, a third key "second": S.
{"hour": 4, "minute": 6}
